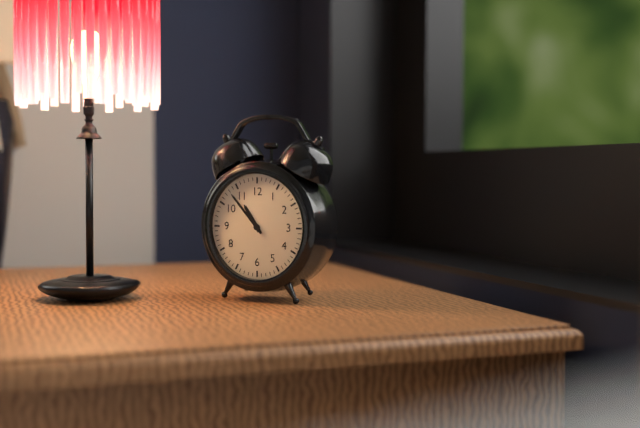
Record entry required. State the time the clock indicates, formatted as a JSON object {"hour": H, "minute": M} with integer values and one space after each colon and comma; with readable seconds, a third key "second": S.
{"hour": 10, "minute": 53}
